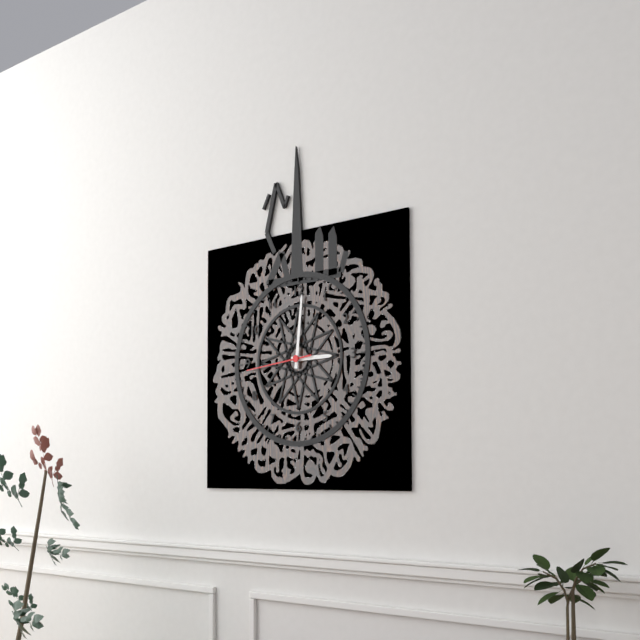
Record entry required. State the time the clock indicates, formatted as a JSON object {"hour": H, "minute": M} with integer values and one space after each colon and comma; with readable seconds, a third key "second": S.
{"hour": 3, "minute": 1, "second": 44}
